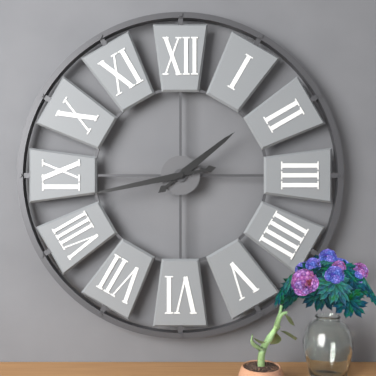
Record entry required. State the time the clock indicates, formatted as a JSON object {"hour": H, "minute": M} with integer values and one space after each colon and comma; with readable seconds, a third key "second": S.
{"hour": 1, "minute": 43}
